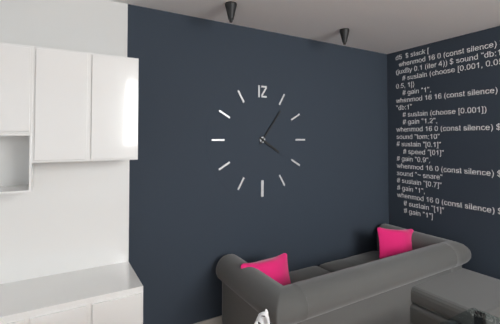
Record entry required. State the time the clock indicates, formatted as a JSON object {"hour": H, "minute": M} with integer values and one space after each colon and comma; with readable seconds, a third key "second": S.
{"hour": 4, "minute": 6}
